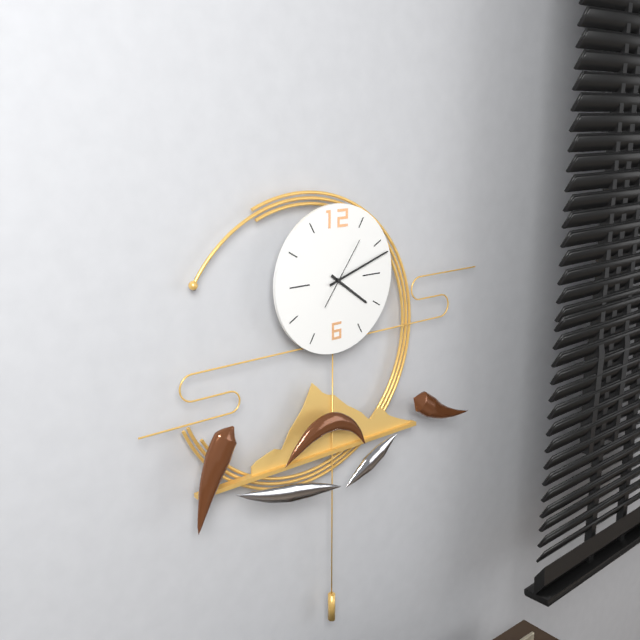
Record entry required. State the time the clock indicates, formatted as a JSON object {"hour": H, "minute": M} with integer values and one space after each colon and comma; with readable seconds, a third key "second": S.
{"hour": 4, "minute": 12, "second": 6}
